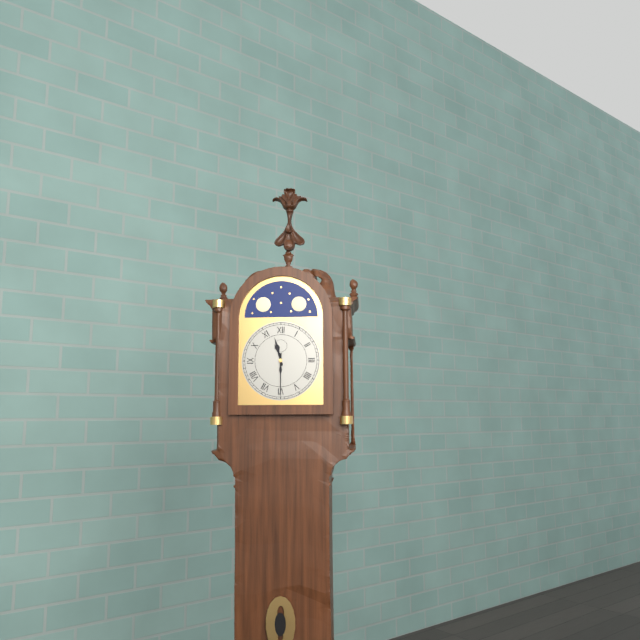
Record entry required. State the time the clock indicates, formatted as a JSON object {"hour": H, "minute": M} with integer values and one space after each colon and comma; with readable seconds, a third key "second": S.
{"hour": 11, "minute": 30}
